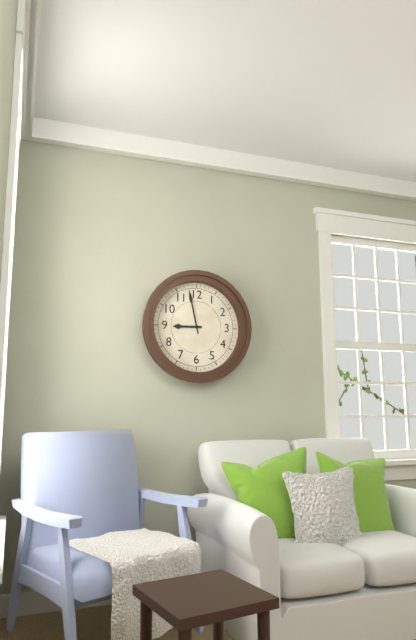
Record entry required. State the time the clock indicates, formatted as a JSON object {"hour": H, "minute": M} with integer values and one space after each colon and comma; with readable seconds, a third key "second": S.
{"hour": 8, "minute": 58}
